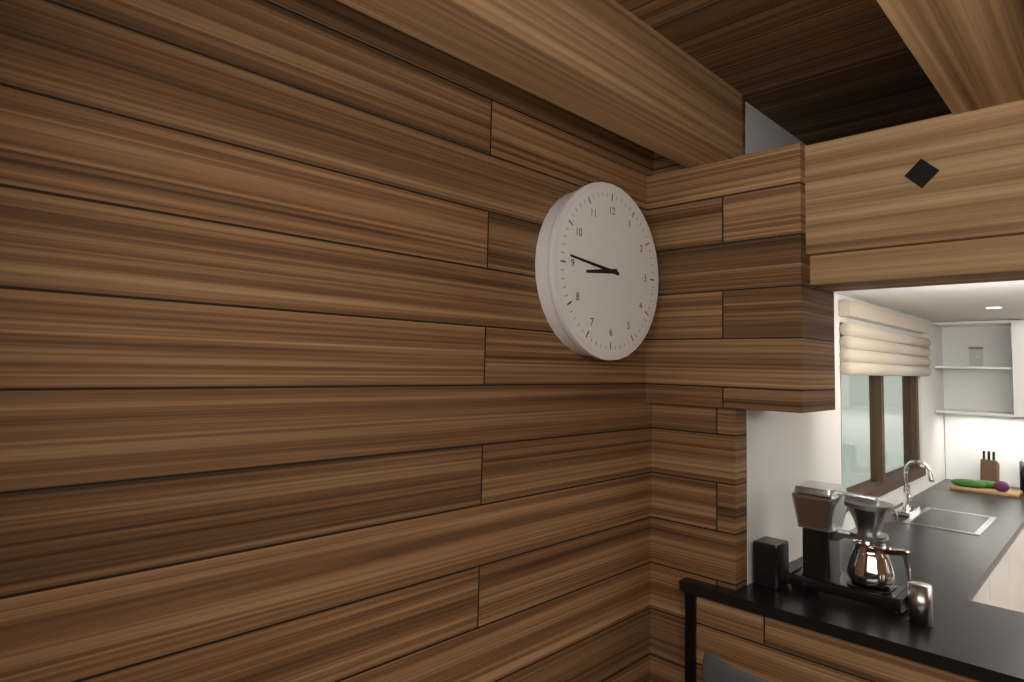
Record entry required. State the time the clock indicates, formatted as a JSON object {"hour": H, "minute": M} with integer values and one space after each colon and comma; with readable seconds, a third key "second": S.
{"hour": 8, "minute": 46}
